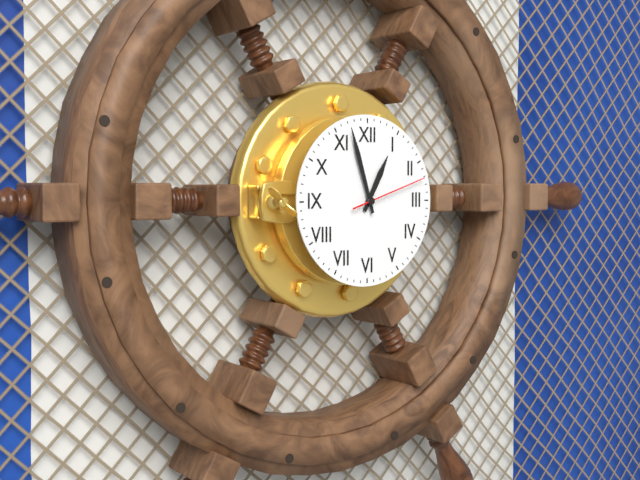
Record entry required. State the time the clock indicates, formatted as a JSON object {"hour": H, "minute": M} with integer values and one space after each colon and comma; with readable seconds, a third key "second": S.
{"hour": 12, "minute": 57, "second": 12}
